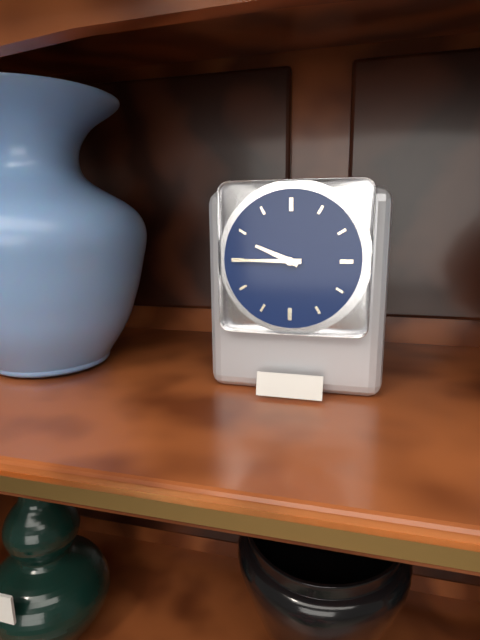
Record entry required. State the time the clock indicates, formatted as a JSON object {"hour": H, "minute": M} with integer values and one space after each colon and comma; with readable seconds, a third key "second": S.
{"hour": 9, "minute": 45}
